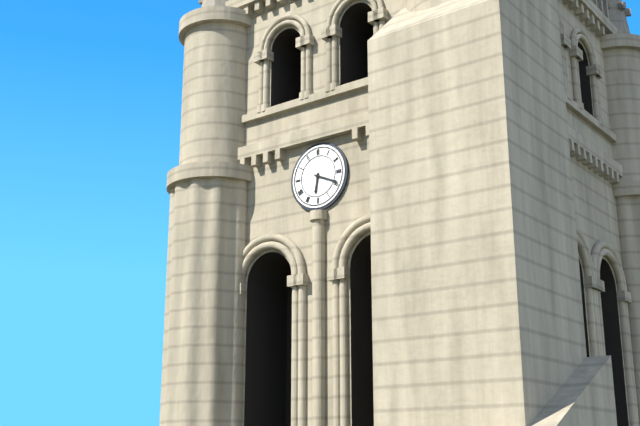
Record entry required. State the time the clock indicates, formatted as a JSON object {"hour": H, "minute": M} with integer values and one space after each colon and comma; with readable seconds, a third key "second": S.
{"hour": 6, "minute": 19}
